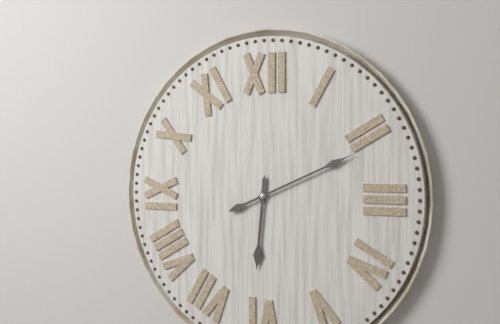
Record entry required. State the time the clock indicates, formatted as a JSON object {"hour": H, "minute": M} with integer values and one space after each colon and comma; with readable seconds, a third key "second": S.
{"hour": 6, "minute": 11}
